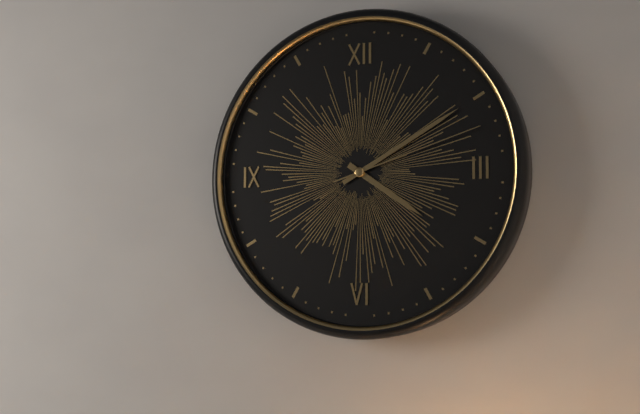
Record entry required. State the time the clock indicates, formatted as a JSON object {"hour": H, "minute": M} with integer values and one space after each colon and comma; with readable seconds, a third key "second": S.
{"hour": 4, "minute": 10, "second": 12}
